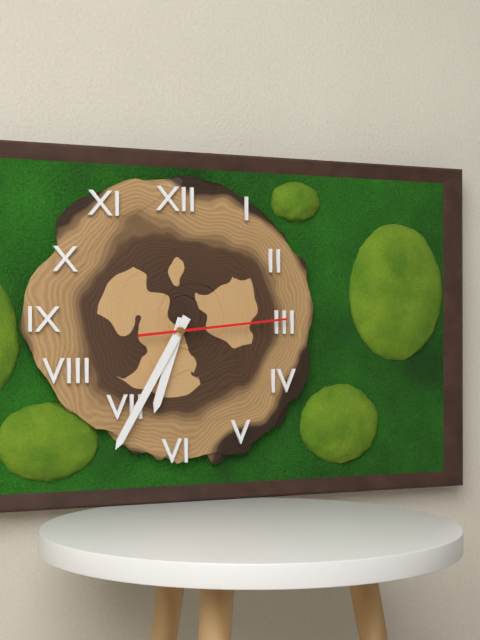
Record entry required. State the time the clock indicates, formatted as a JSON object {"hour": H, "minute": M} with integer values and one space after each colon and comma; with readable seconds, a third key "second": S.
{"hour": 6, "minute": 35, "second": 14}
